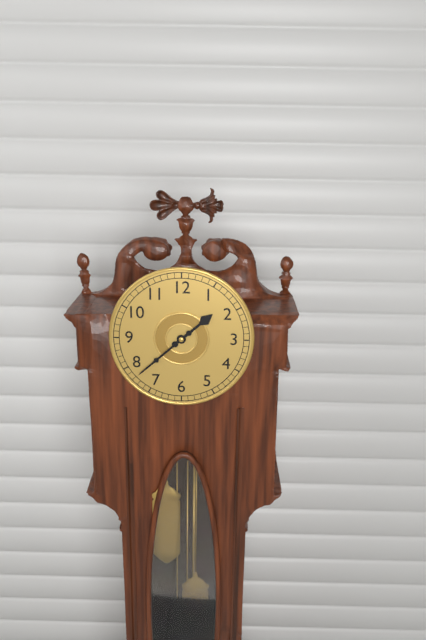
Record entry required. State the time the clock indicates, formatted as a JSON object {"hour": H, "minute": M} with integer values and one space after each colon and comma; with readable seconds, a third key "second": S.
{"hour": 1, "minute": 38}
